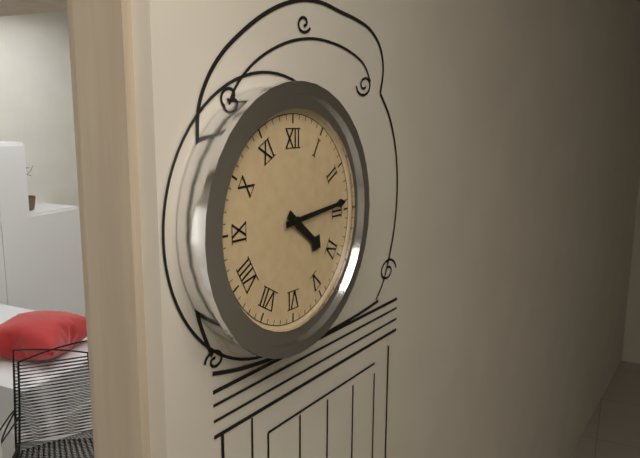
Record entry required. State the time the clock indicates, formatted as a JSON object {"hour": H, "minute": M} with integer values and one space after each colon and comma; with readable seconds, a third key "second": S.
{"hour": 4, "minute": 14}
